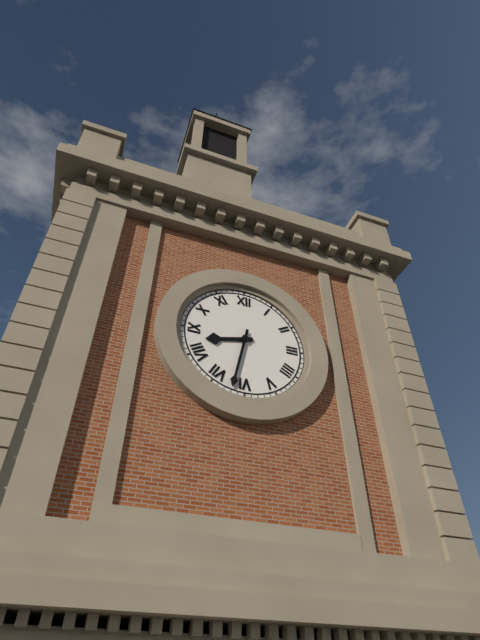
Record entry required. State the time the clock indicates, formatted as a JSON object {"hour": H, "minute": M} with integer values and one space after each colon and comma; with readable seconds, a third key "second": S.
{"hour": 8, "minute": 32}
